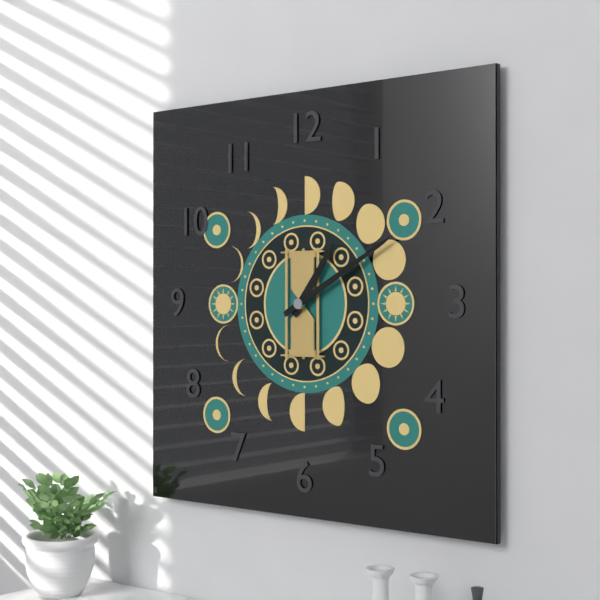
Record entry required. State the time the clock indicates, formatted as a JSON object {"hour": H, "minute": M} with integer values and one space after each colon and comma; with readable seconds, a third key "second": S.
{"hour": 1, "minute": 10}
